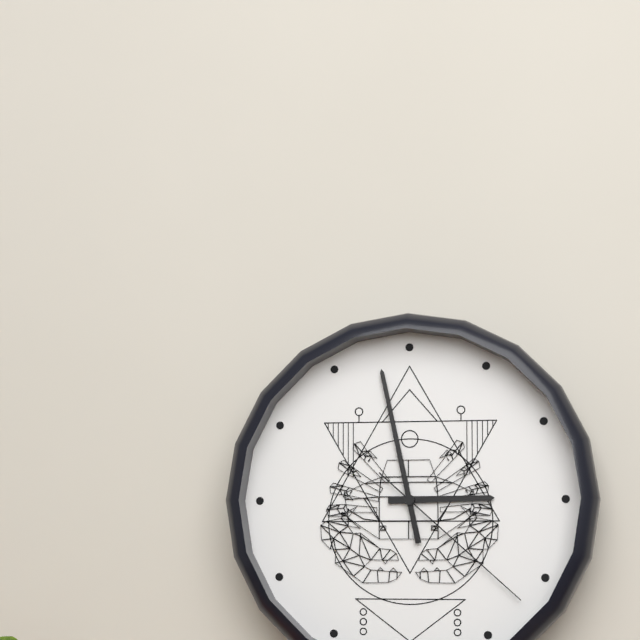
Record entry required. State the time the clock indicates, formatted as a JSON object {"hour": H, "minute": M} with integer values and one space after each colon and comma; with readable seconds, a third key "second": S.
{"hour": 2, "minute": 58, "second": 22}
